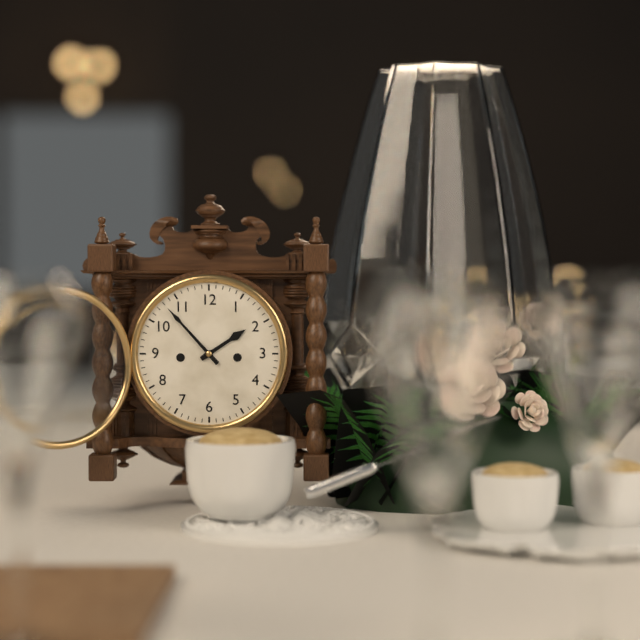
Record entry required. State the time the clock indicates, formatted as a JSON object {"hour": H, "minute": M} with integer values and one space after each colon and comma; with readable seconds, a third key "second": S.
{"hour": 1, "minute": 53}
